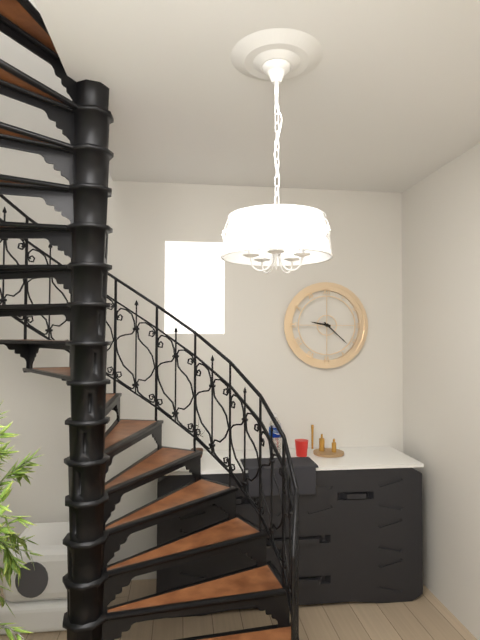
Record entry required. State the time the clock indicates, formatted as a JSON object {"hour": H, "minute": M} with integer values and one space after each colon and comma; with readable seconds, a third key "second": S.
{"hour": 9, "minute": 22}
